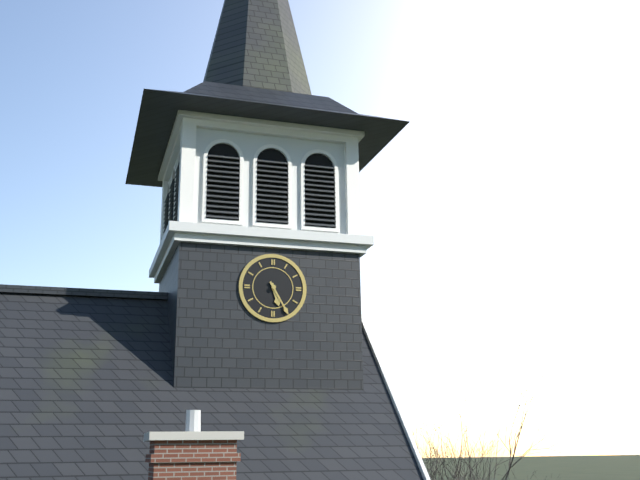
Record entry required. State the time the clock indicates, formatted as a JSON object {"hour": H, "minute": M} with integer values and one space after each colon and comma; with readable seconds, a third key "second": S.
{"hour": 5, "minute": 25}
